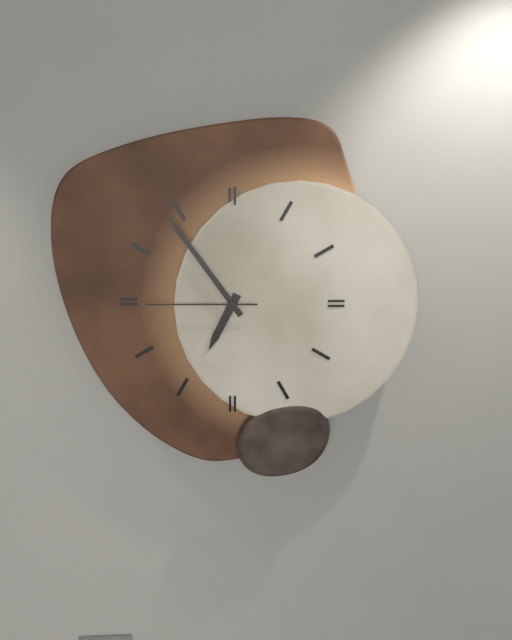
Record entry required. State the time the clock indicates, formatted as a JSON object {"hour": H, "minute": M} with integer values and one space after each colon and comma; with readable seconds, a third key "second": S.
{"hour": 6, "minute": 54, "second": 45}
